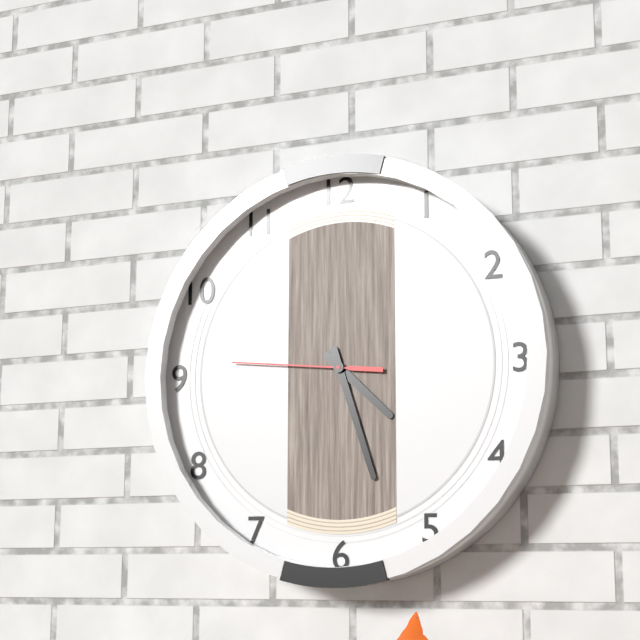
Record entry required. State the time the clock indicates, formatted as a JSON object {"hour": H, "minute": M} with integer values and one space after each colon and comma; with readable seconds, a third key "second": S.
{"hour": 4, "minute": 27, "second": 46}
